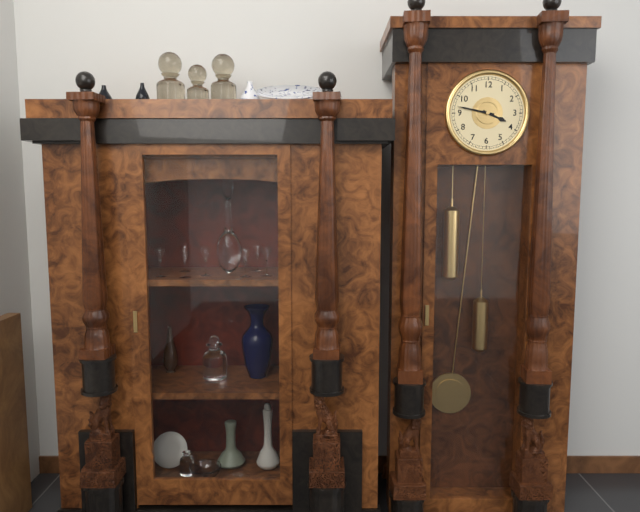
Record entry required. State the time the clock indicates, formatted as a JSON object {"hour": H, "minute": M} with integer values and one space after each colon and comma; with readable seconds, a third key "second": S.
{"hour": 3, "minute": 47}
